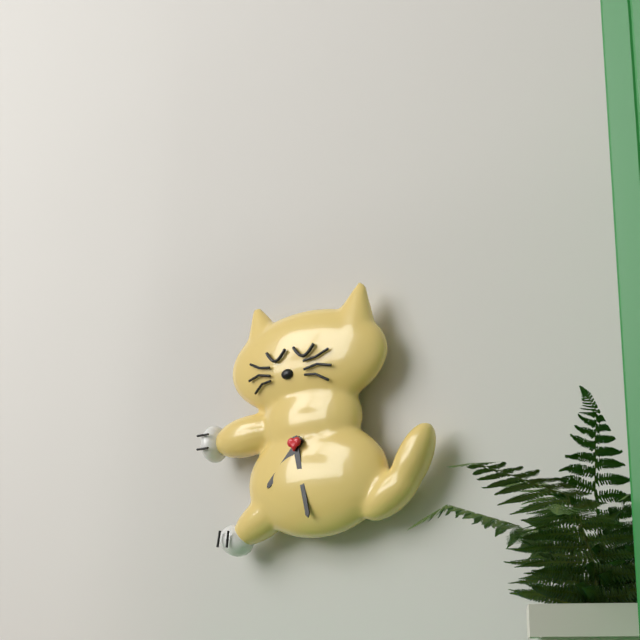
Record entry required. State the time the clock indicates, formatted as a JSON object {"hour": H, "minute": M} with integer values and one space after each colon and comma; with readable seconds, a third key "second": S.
{"hour": 7, "minute": 28}
